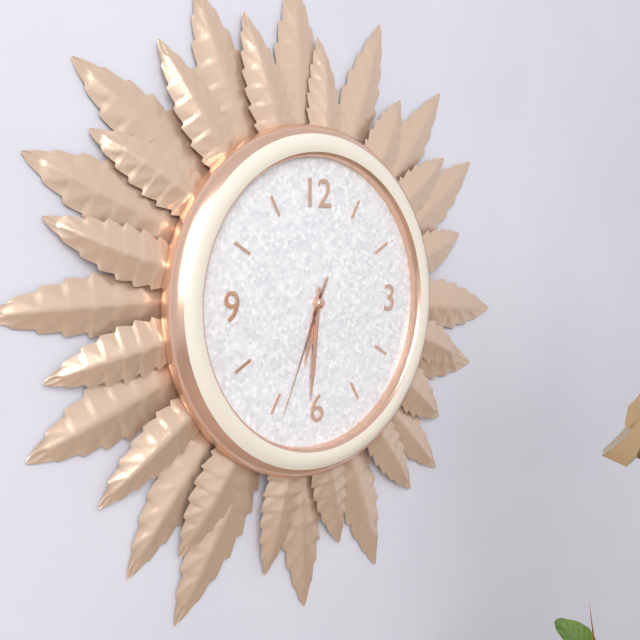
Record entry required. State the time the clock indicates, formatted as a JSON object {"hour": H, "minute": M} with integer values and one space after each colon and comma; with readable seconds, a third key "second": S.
{"hour": 6, "minute": 31, "second": 34}
